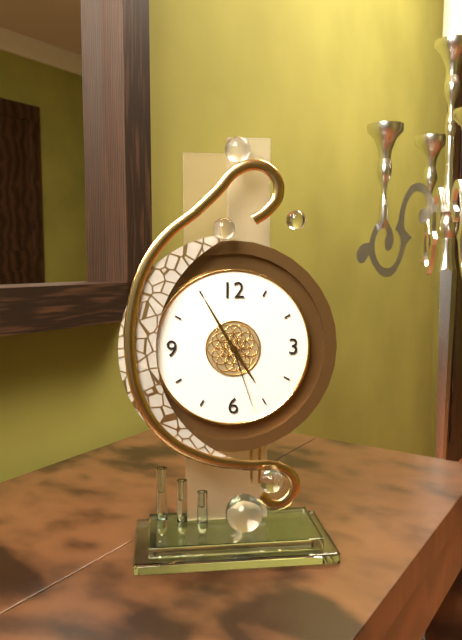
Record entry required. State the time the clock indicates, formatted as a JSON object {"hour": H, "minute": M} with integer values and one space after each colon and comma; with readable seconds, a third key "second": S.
{"hour": 4, "minute": 55, "second": 27}
